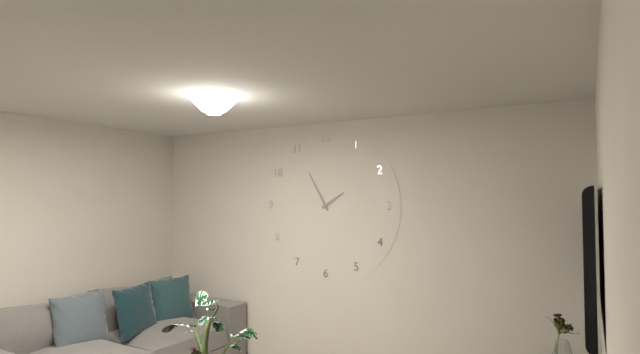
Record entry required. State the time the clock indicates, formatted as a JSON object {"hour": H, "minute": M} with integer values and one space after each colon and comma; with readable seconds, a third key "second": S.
{"hour": 1, "minute": 55}
